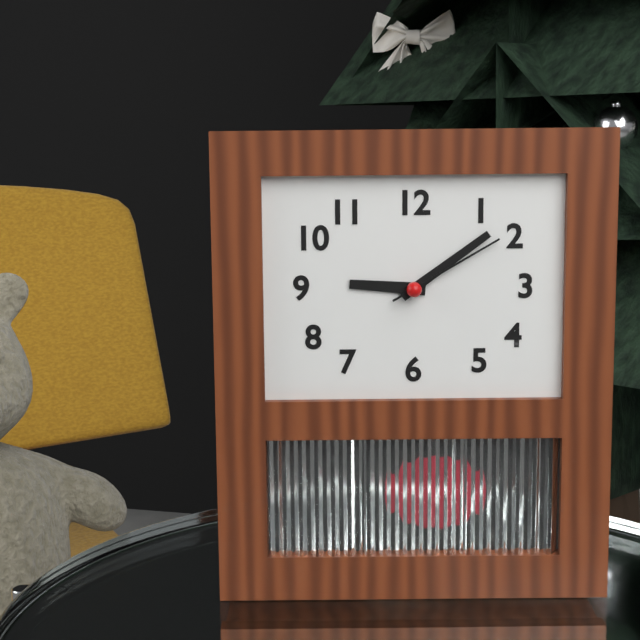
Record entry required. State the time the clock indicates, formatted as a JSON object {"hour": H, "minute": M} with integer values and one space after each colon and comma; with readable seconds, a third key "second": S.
{"hour": 9, "minute": 9, "second": 10}
